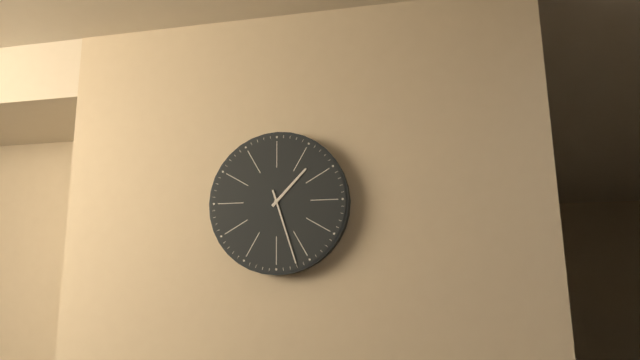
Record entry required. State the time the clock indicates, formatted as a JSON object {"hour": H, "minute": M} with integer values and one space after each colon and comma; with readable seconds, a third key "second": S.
{"hour": 1, "minute": 27}
